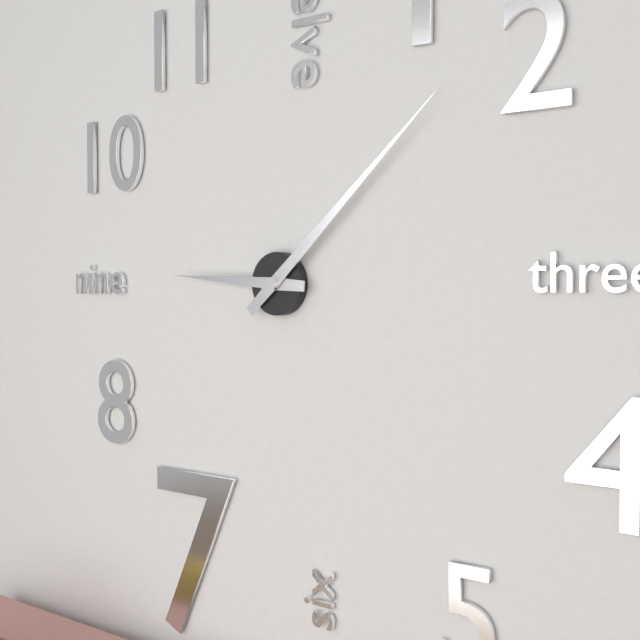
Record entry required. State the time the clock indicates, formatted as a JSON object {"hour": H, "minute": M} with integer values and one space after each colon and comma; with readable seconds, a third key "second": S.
{"hour": 9, "minute": 8}
